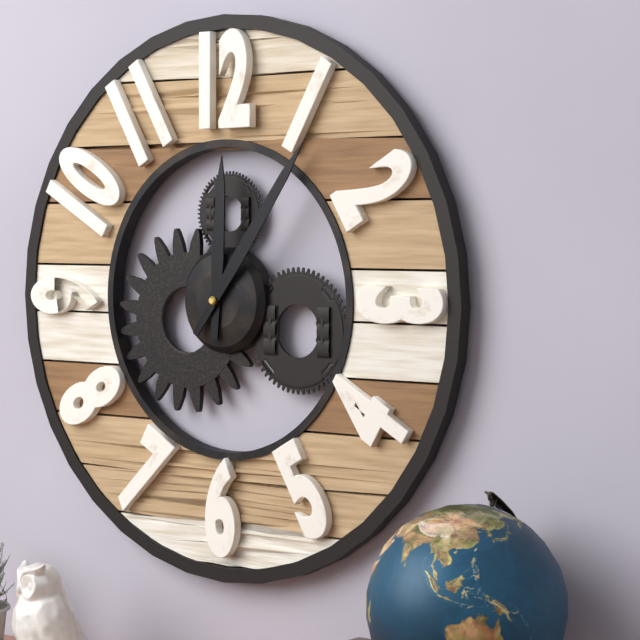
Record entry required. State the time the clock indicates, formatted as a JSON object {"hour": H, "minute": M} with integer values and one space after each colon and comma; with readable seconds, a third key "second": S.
{"hour": 12, "minute": 6}
